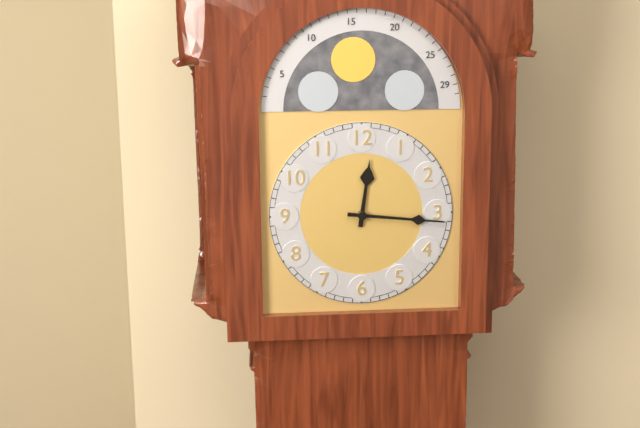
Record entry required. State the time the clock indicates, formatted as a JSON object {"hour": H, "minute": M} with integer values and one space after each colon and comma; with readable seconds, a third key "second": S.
{"hour": 12, "minute": 16}
